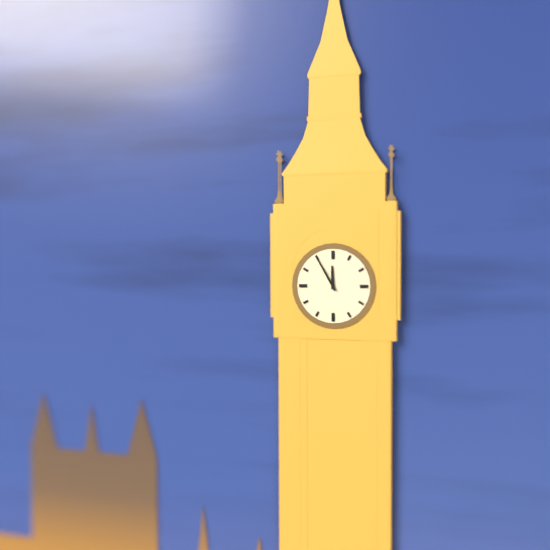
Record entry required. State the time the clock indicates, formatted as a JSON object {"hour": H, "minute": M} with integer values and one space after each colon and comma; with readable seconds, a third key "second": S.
{"hour": 11, "minute": 55}
